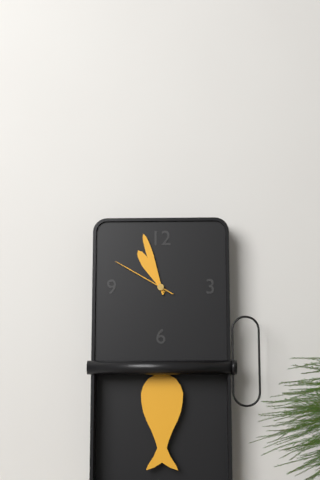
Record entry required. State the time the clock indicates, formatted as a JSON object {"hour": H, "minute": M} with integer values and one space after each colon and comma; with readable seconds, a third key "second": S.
{"hour": 10, "minute": 57, "second": 50}
